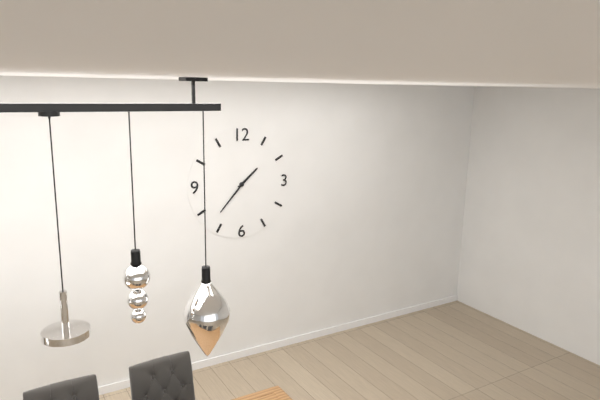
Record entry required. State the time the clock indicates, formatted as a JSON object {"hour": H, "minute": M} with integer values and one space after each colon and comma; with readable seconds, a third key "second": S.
{"hour": 1, "minute": 37}
